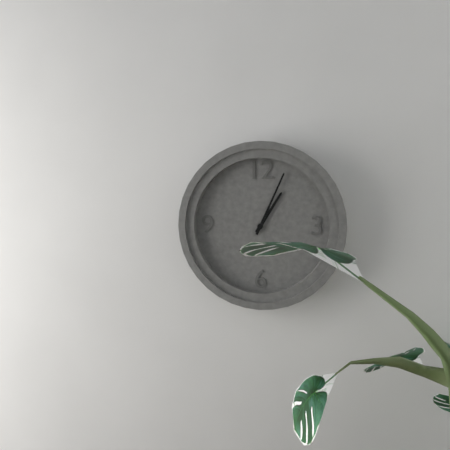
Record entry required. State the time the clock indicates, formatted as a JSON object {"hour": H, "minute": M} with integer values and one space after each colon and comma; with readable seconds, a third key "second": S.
{"hour": 1, "minute": 4}
